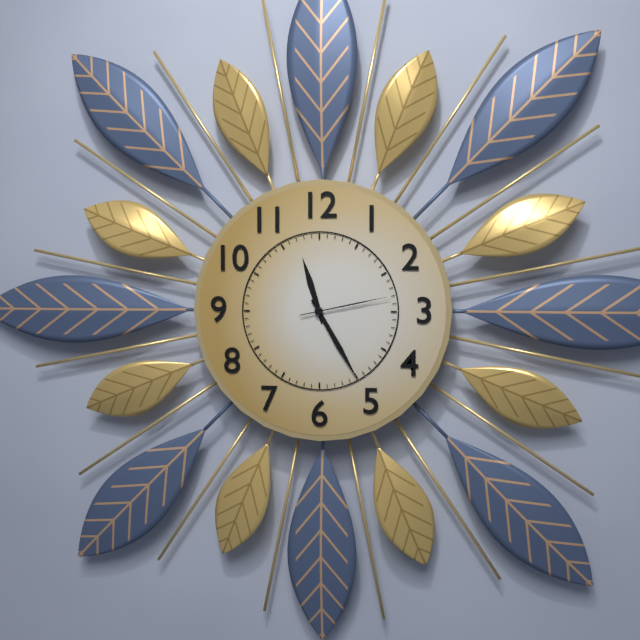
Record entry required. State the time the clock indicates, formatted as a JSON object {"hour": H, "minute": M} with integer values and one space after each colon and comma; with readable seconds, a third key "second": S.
{"hour": 11, "minute": 25, "second": 13}
